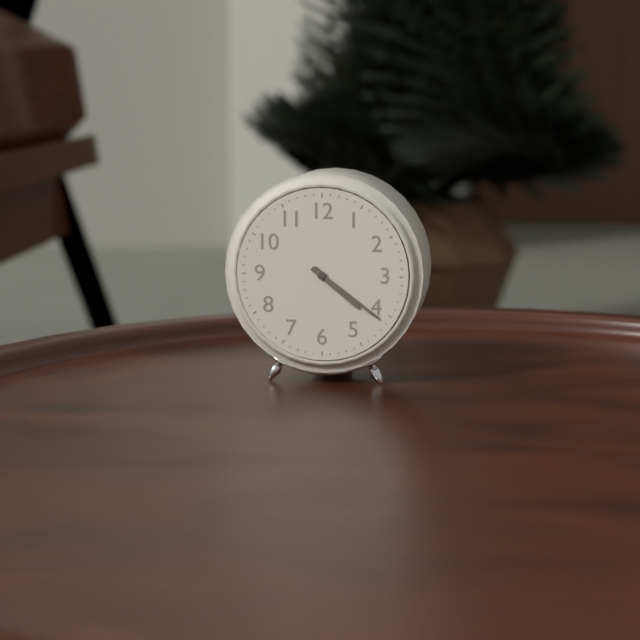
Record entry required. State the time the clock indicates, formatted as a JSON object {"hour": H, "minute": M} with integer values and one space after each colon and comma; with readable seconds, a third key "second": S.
{"hour": 4, "minute": 21}
